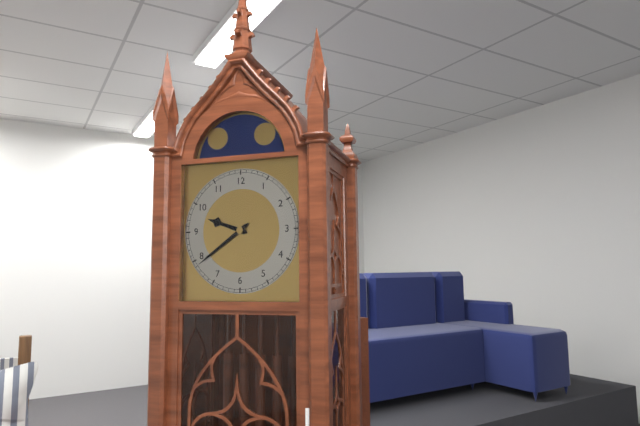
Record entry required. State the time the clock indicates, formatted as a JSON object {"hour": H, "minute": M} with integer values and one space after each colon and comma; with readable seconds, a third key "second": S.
{"hour": 9, "minute": 39}
